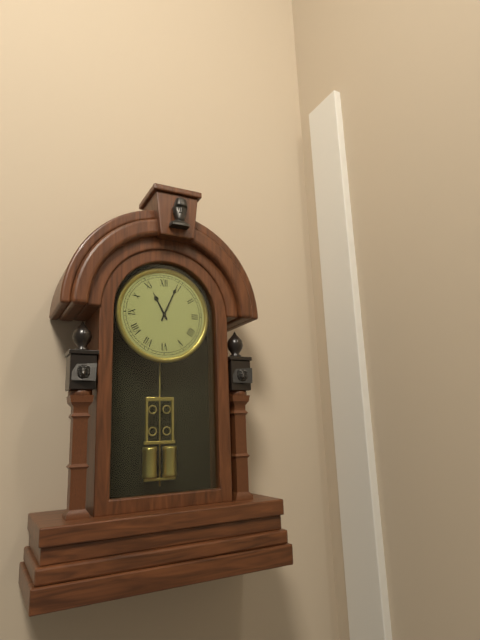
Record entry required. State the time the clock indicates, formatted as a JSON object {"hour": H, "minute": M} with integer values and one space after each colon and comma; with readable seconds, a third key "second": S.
{"hour": 11, "minute": 4}
